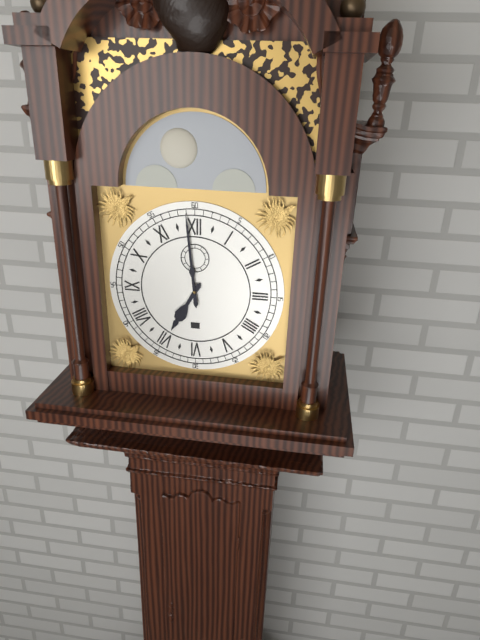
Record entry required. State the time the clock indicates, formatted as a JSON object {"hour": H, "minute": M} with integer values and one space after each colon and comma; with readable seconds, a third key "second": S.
{"hour": 6, "minute": 59}
